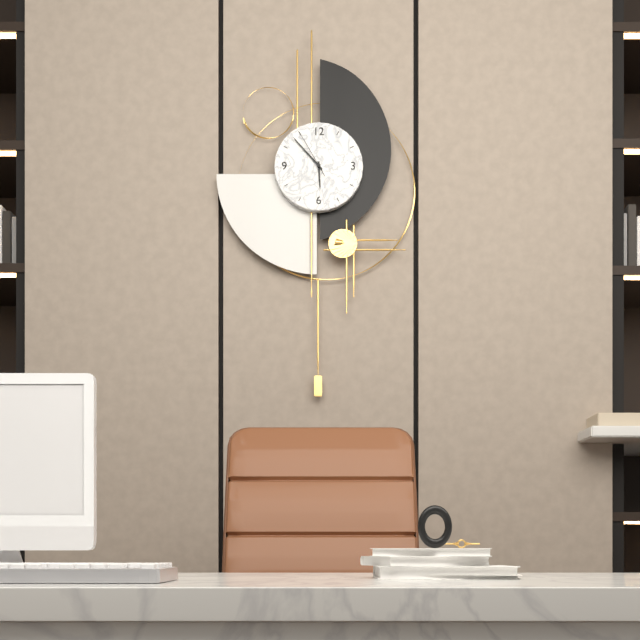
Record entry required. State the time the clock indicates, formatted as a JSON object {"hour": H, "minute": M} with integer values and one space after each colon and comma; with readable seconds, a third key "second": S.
{"hour": 5, "minute": 53}
